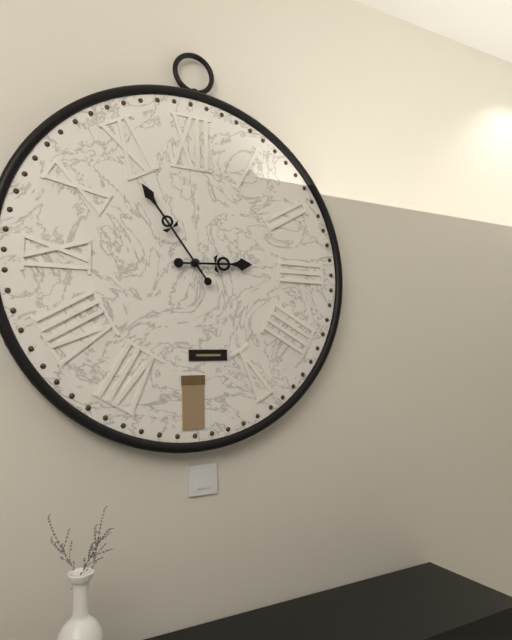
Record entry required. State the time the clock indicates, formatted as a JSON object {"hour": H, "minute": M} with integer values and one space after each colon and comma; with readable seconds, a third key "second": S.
{"hour": 2, "minute": 54}
